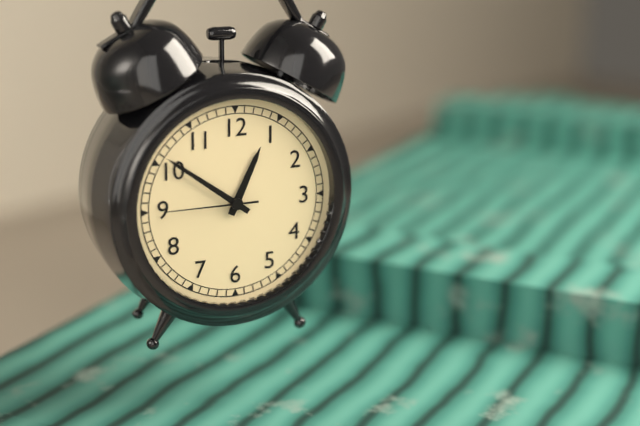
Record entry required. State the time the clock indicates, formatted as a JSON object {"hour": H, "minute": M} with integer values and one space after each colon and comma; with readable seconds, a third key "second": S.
{"hour": 12, "minute": 51, "second": 45}
